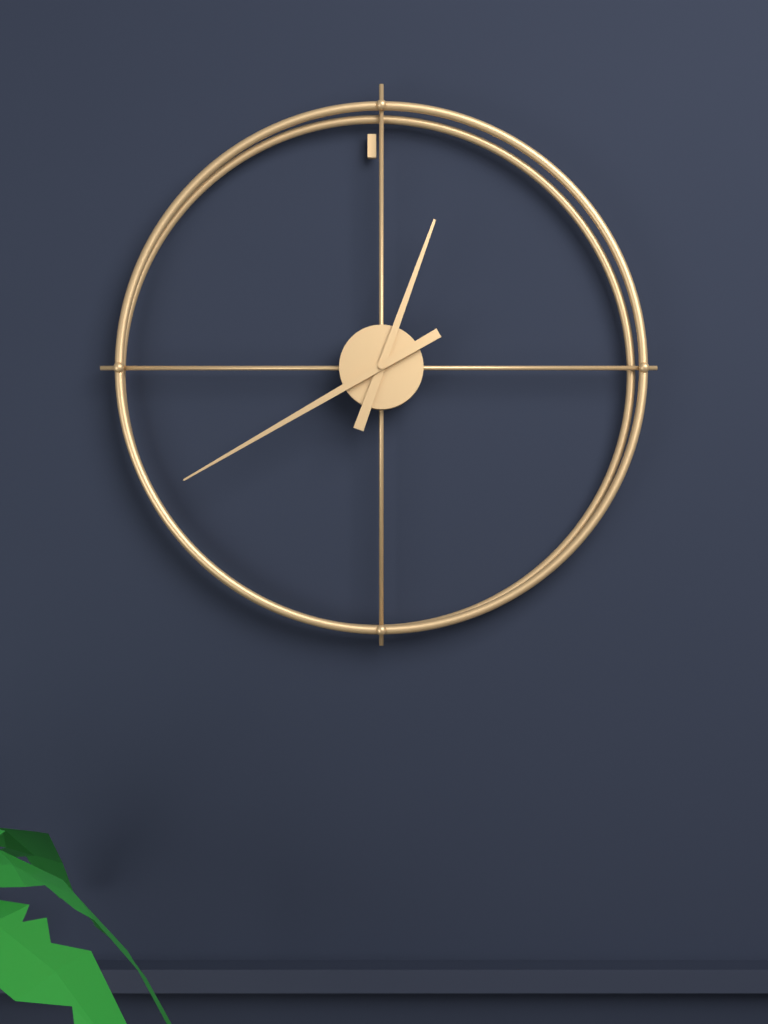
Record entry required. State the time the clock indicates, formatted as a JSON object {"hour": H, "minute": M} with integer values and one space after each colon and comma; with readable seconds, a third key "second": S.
{"hour": 12, "minute": 40}
